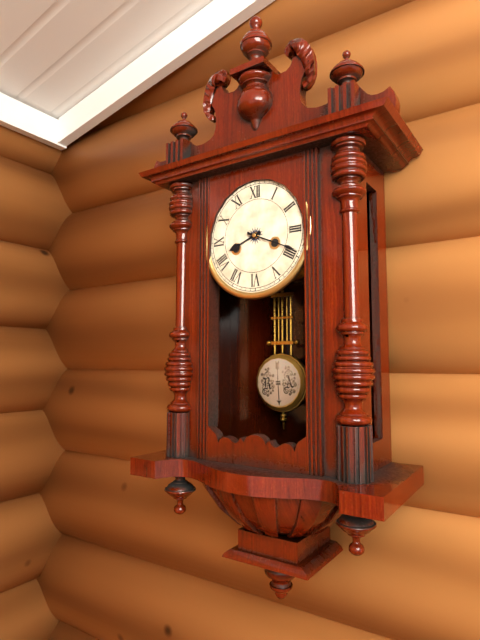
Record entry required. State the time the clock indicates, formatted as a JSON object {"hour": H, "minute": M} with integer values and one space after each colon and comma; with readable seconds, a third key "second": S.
{"hour": 8, "minute": 19}
